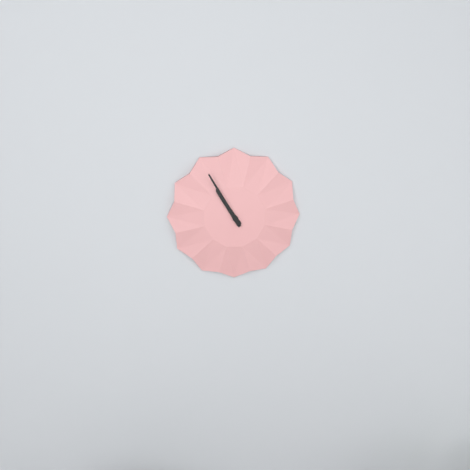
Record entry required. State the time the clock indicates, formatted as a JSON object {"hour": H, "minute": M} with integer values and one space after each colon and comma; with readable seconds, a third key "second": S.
{"hour": 10, "minute": 55}
